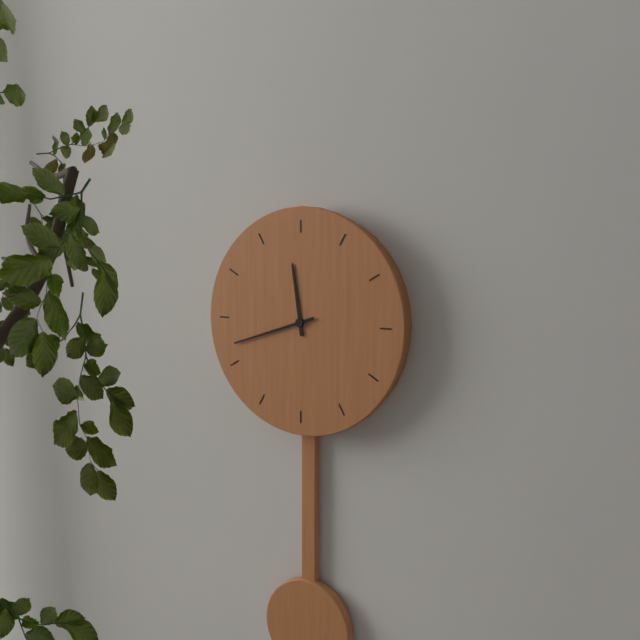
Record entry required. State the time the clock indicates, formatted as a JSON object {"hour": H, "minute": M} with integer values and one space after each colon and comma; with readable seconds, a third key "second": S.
{"hour": 11, "minute": 42}
